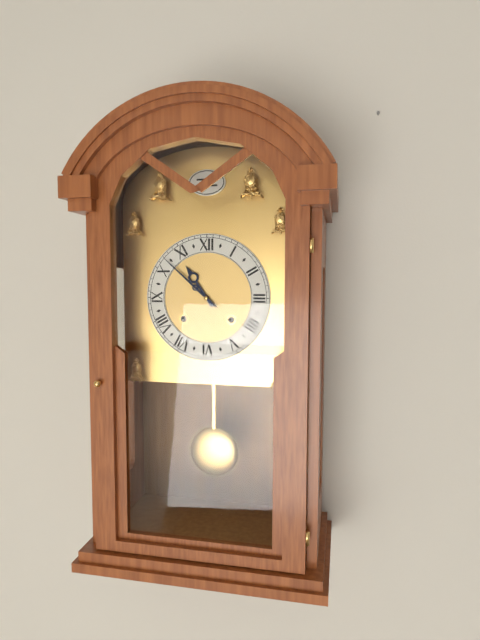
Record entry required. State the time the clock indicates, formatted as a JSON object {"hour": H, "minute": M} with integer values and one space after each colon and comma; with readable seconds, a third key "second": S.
{"hour": 10, "minute": 52}
